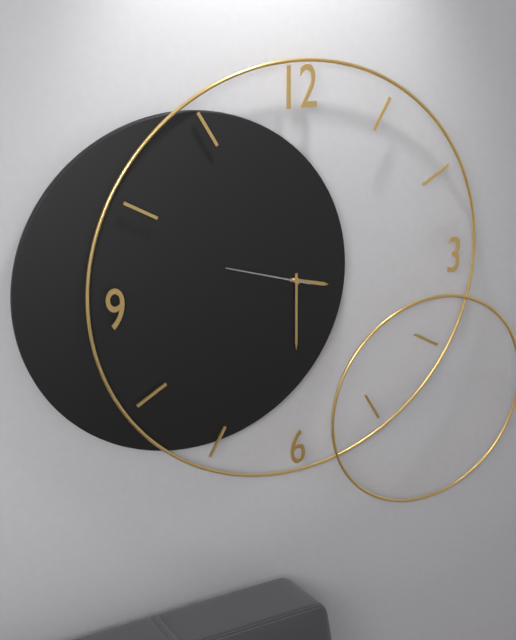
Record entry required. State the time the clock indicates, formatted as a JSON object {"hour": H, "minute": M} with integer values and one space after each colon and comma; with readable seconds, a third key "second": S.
{"hour": 3, "minute": 30, "second": 48}
